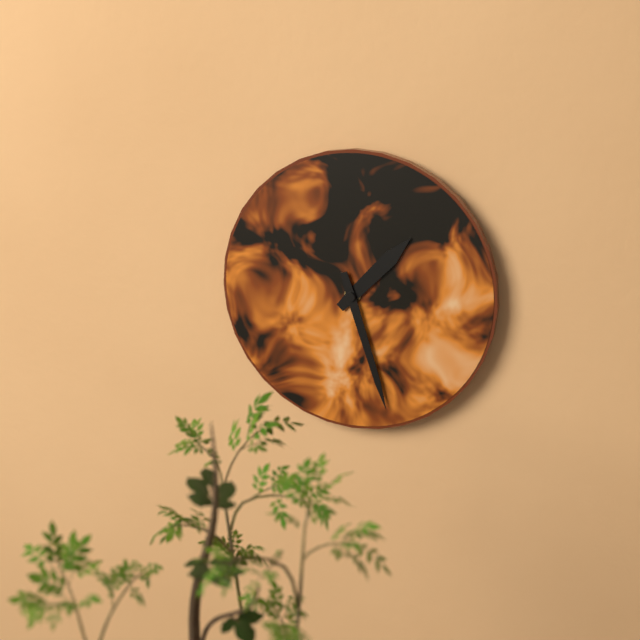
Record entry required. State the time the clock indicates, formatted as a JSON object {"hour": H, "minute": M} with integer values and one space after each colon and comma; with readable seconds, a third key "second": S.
{"hour": 1, "minute": 27}
